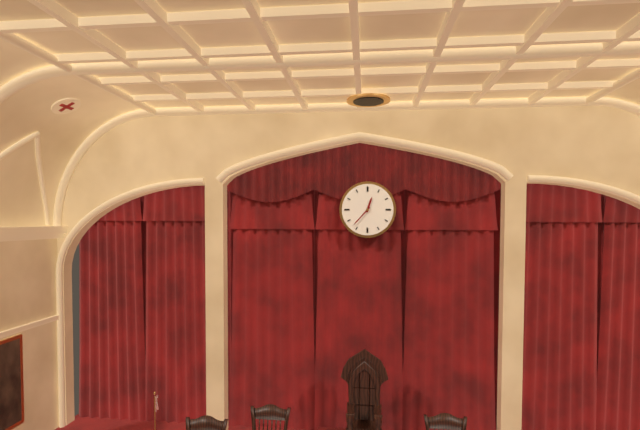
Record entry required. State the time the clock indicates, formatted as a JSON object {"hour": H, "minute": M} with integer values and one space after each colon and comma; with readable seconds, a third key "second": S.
{"hour": 12, "minute": 37}
